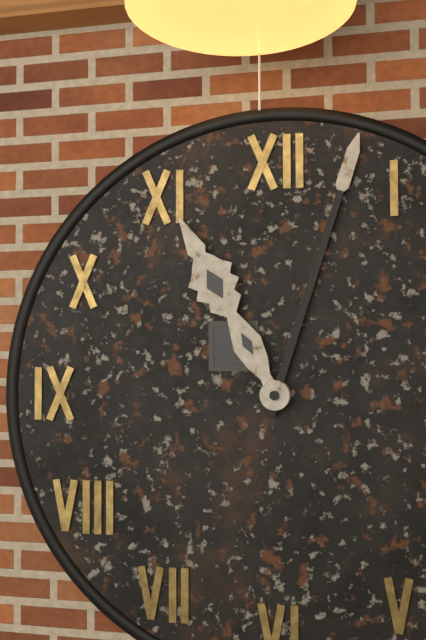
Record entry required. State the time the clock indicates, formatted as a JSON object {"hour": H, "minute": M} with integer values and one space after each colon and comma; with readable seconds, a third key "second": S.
{"hour": 11, "minute": 3}
